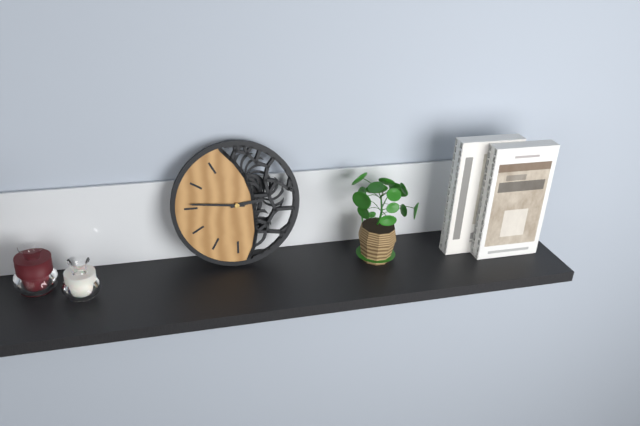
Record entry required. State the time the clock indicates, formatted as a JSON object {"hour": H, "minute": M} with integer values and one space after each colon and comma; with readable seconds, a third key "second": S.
{"hour": 2, "minute": 46}
